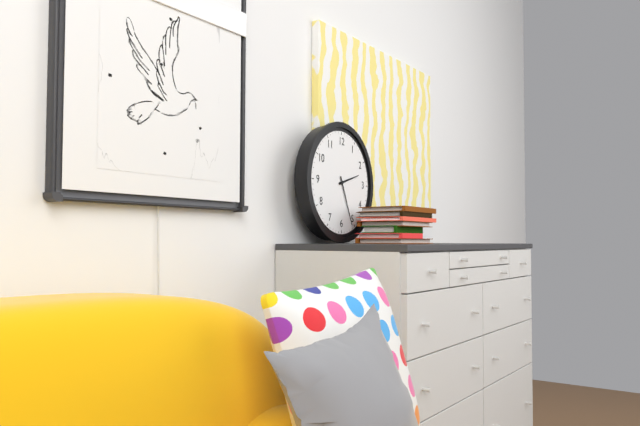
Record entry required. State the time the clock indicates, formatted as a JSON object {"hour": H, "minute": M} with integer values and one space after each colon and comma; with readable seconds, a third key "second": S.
{"hour": 2, "minute": 26}
